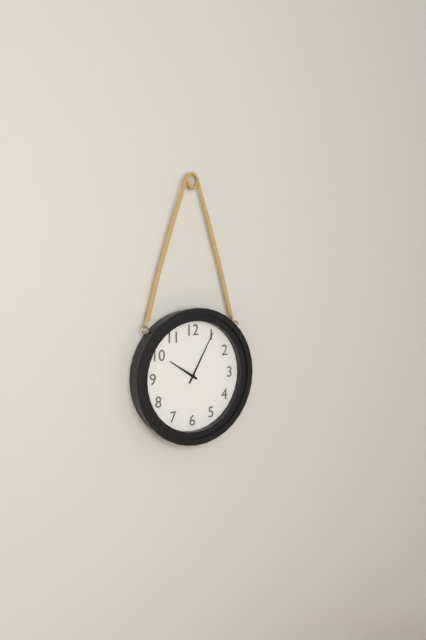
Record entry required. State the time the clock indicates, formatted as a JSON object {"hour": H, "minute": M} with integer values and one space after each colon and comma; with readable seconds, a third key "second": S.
{"hour": 10, "minute": 5}
